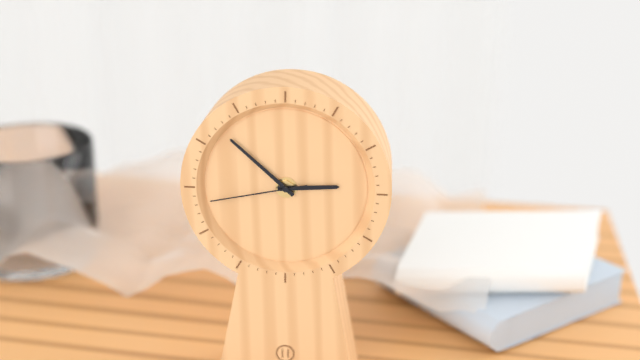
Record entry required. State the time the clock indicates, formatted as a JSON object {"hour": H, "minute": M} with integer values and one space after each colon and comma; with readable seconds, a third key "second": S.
{"hour": 2, "minute": 52, "second": 43}
